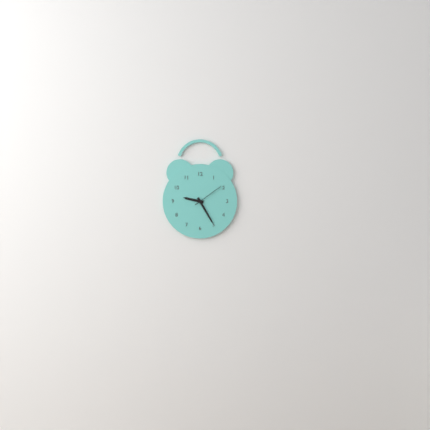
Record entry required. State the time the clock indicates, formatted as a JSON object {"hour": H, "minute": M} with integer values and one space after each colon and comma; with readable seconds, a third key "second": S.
{"hour": 9, "minute": 25}
